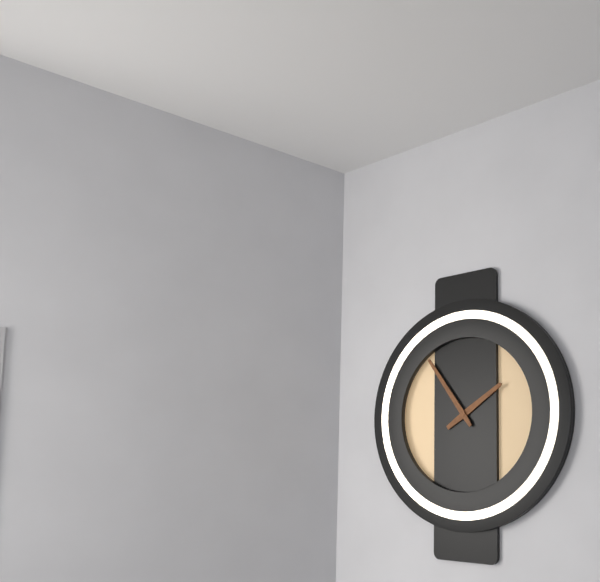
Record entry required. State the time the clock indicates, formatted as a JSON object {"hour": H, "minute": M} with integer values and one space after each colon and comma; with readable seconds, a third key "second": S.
{"hour": 1, "minute": 54}
